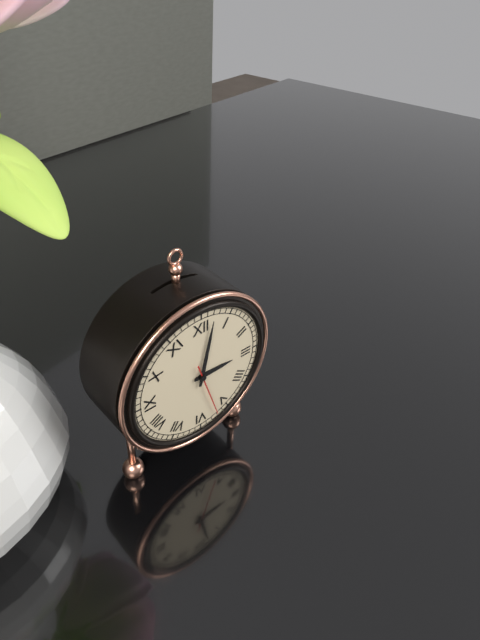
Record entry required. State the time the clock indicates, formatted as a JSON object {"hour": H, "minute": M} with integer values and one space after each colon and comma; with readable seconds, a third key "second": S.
{"hour": 3, "minute": 2}
